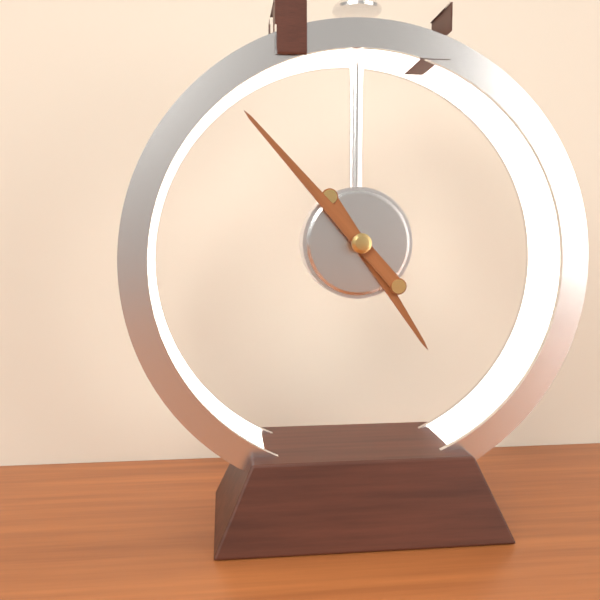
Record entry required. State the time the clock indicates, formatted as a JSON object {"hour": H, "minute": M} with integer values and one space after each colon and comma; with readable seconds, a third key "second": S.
{"hour": 4, "minute": 53}
